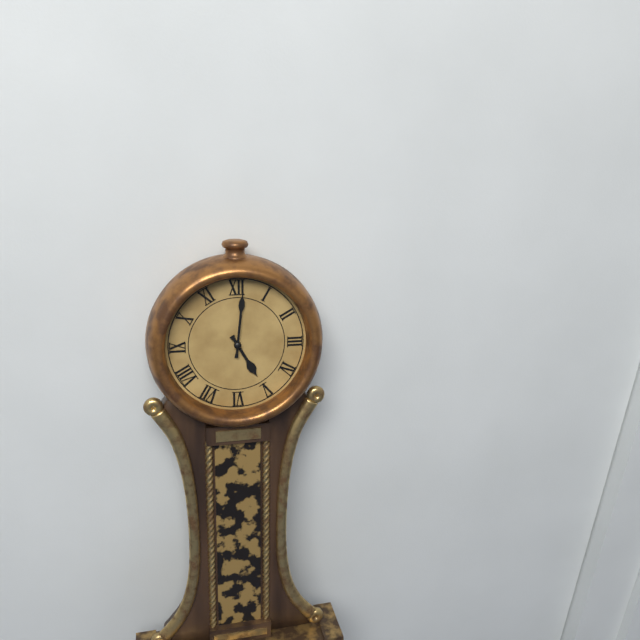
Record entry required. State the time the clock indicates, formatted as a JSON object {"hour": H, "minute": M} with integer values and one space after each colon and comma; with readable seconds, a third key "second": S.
{"hour": 5, "minute": 1}
